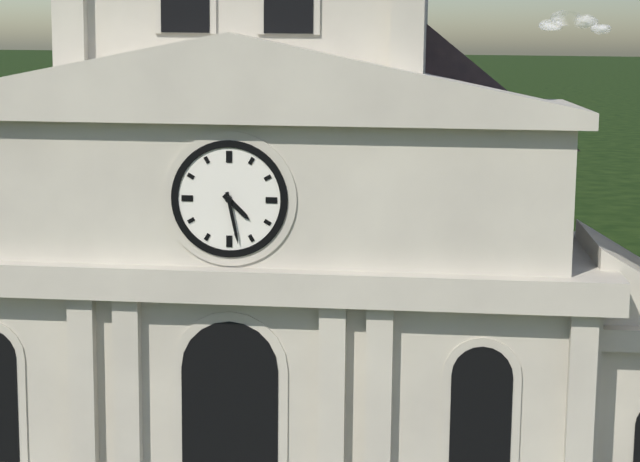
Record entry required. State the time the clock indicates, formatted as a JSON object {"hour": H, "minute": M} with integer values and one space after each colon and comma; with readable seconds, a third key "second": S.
{"hour": 4, "minute": 28}
